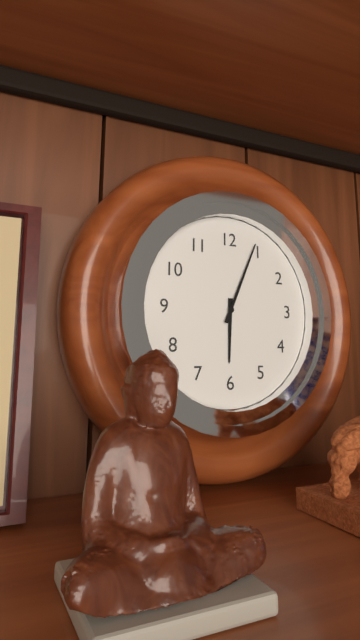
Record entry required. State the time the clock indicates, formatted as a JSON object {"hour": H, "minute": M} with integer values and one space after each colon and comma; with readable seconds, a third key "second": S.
{"hour": 6, "minute": 4}
